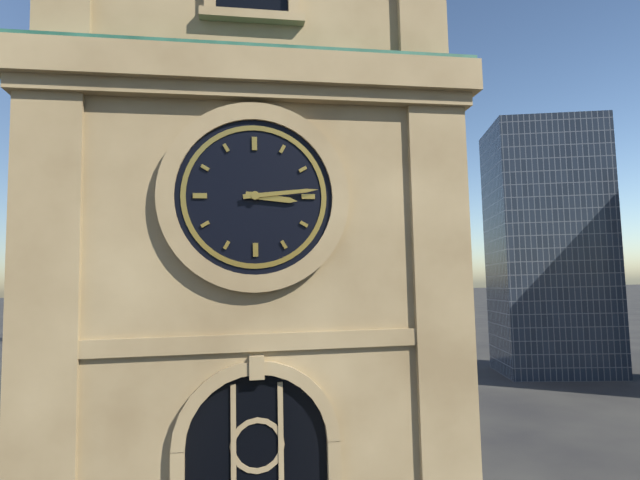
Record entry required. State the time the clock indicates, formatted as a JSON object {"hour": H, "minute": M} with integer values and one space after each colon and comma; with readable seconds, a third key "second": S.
{"hour": 3, "minute": 14}
